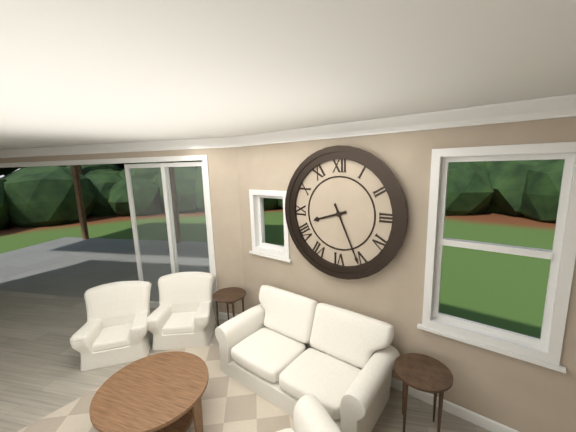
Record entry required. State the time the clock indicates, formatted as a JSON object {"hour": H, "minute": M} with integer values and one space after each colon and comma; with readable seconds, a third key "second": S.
{"hour": 8, "minute": 26}
